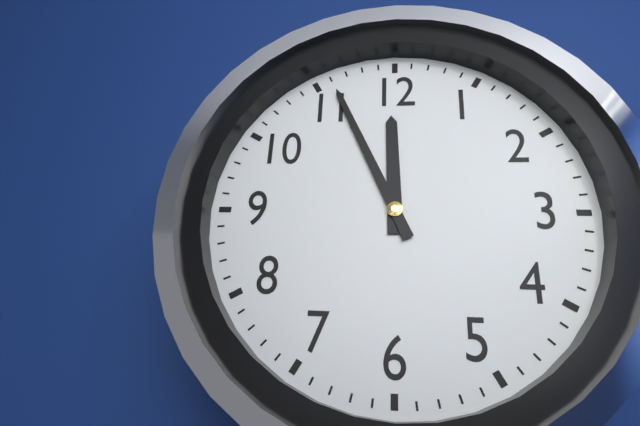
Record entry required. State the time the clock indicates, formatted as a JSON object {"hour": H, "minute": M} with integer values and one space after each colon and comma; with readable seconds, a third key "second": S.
{"hour": 11, "minute": 56}
